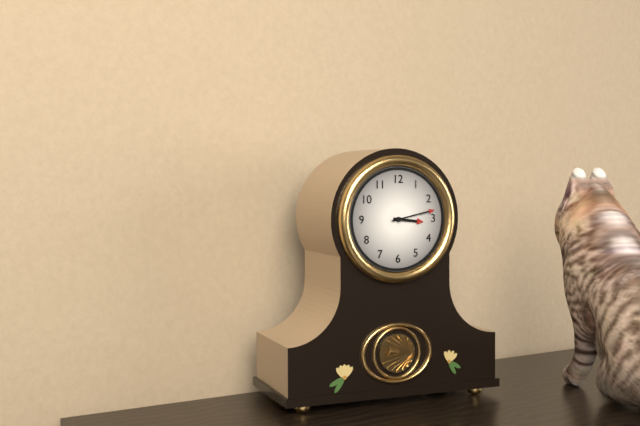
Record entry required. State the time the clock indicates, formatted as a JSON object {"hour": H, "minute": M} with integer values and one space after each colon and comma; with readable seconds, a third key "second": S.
{"hour": 3, "minute": 13}
